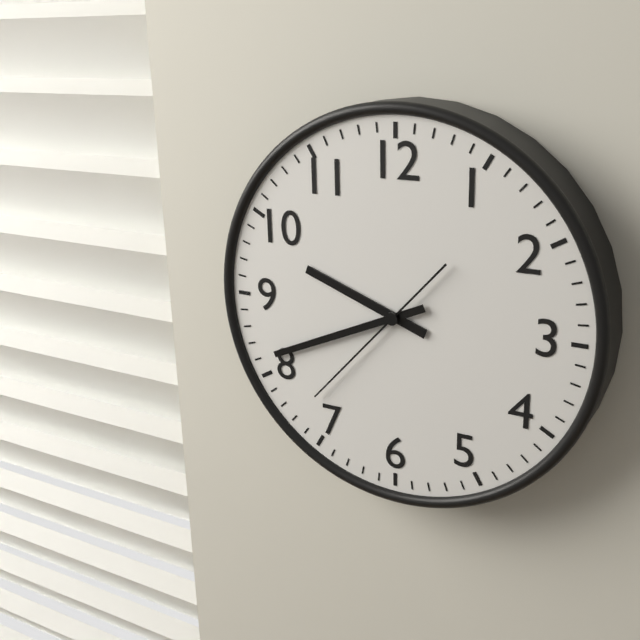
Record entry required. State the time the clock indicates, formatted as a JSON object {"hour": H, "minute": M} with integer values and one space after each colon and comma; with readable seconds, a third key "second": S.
{"hour": 9, "minute": 41, "second": 37}
